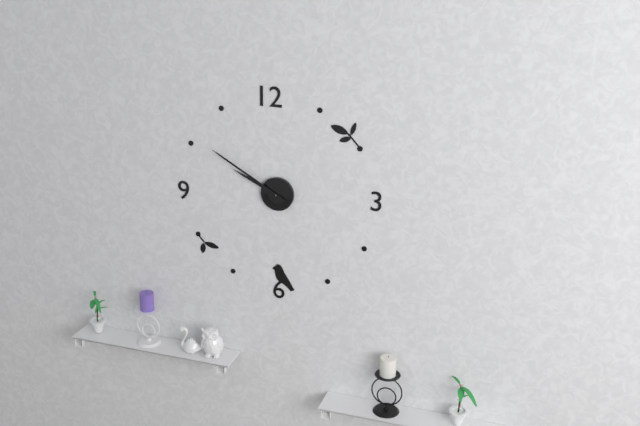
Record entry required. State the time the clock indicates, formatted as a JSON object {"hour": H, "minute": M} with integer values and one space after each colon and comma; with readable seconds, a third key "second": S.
{"hour": 9, "minute": 50}
